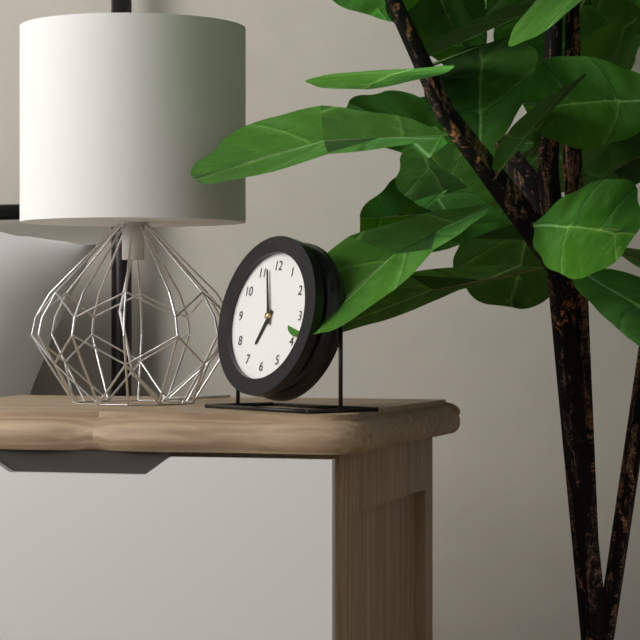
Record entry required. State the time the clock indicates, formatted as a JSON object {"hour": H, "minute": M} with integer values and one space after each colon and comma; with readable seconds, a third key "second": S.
{"hour": 6, "minute": 57}
